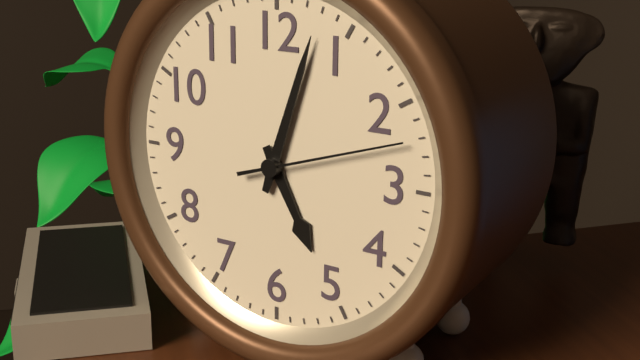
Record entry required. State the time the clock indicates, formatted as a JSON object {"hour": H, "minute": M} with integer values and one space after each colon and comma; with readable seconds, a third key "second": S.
{"hour": 5, "minute": 3, "second": 12}
